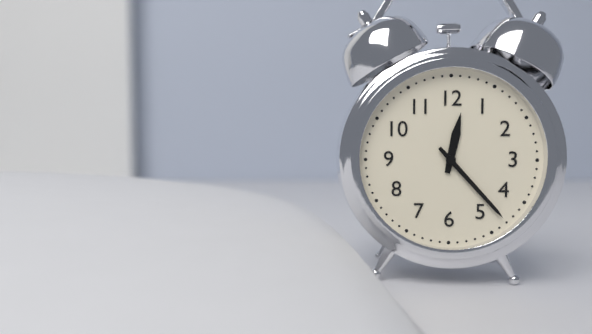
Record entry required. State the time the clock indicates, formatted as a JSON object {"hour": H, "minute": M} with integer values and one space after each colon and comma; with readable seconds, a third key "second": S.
{"hour": 12, "minute": 23}
